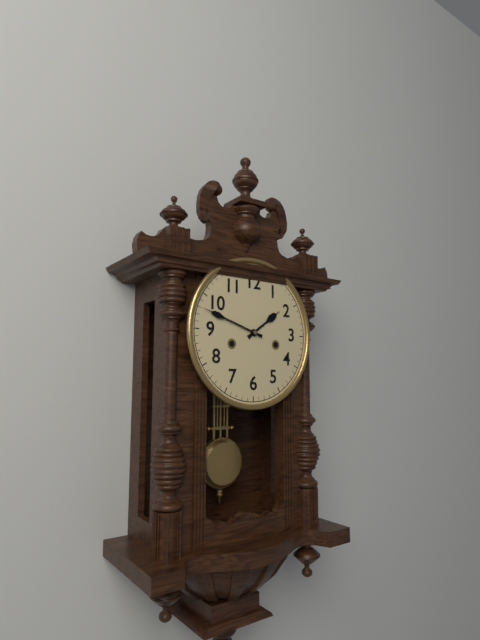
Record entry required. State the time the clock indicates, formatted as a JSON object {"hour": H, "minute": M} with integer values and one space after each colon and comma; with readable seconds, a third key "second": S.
{"hour": 1, "minute": 48}
